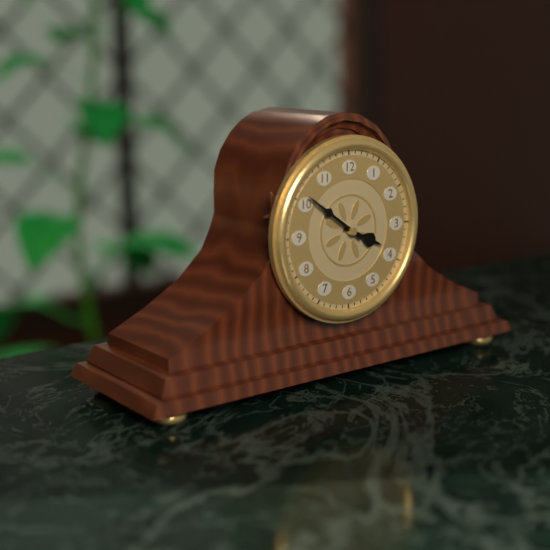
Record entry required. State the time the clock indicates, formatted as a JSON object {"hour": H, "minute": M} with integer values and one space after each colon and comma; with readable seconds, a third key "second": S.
{"hour": 3, "minute": 51}
